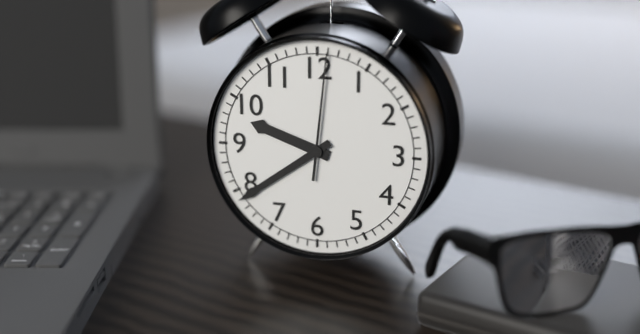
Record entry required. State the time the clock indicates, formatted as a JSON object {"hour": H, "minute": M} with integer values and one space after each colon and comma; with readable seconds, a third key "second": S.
{"hour": 9, "minute": 39, "second": 1}
